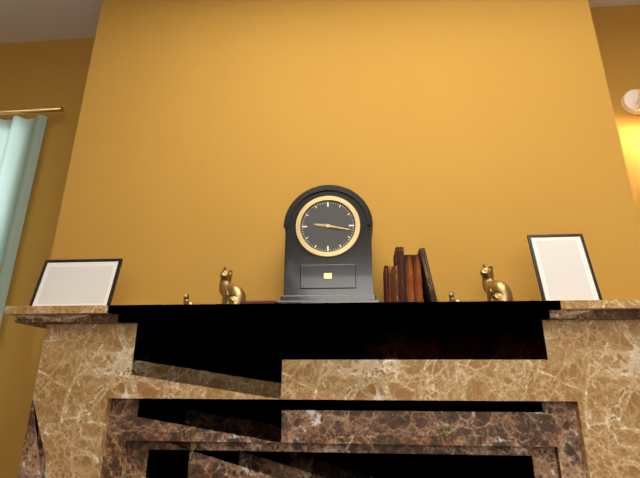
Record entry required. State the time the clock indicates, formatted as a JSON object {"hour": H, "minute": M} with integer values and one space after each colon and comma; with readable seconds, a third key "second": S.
{"hour": 9, "minute": 17}
